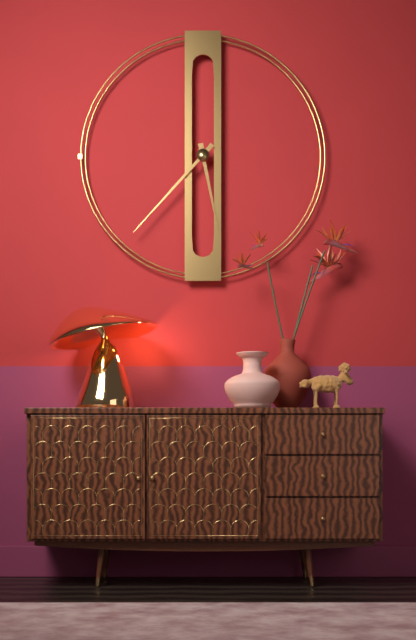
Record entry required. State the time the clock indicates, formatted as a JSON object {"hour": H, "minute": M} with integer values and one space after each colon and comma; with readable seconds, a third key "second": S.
{"hour": 5, "minute": 37}
